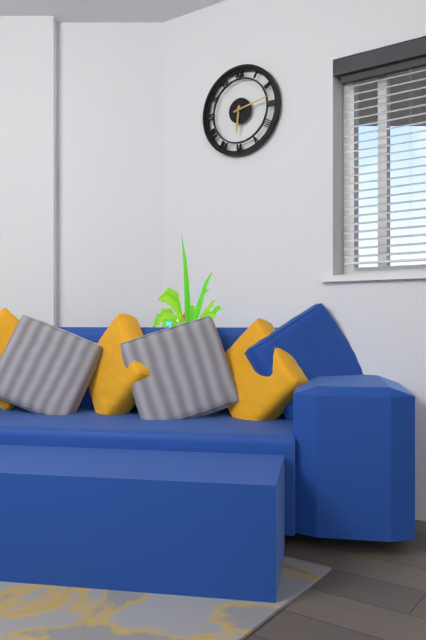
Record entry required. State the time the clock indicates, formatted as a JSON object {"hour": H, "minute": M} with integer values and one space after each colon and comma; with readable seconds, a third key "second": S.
{"hour": 6, "minute": 13}
